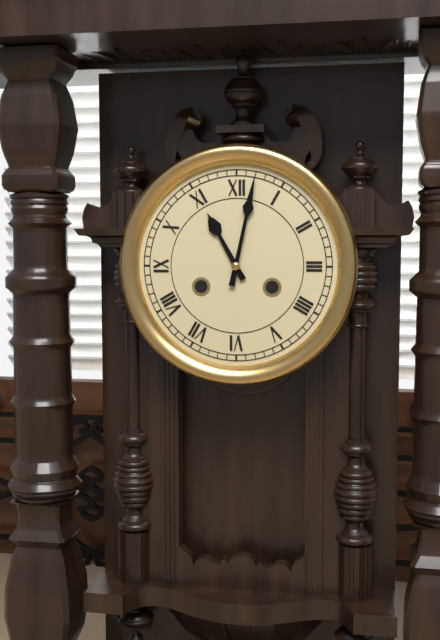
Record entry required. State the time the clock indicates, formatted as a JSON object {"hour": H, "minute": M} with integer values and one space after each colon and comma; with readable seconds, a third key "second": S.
{"hour": 11, "minute": 2}
